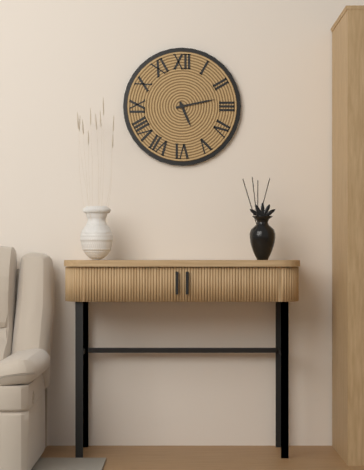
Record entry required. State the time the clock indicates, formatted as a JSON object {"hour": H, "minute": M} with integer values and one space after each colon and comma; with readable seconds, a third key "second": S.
{"hour": 5, "minute": 13}
